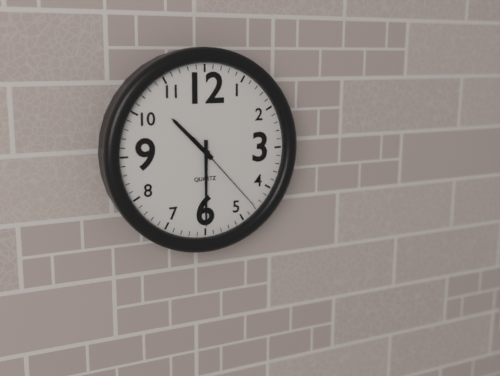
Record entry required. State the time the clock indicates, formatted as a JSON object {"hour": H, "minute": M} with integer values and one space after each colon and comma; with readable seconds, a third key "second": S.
{"hour": 10, "minute": 30, "second": 23}
